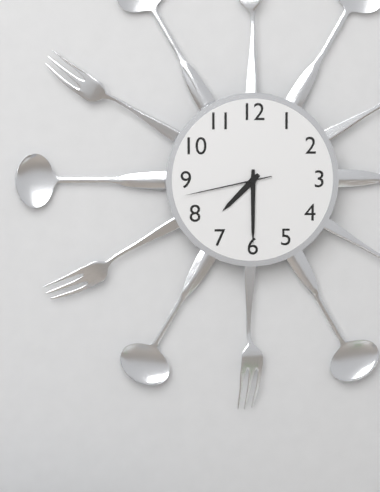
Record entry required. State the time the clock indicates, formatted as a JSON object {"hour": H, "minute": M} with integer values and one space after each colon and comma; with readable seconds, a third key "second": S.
{"hour": 7, "minute": 30, "second": 43}
